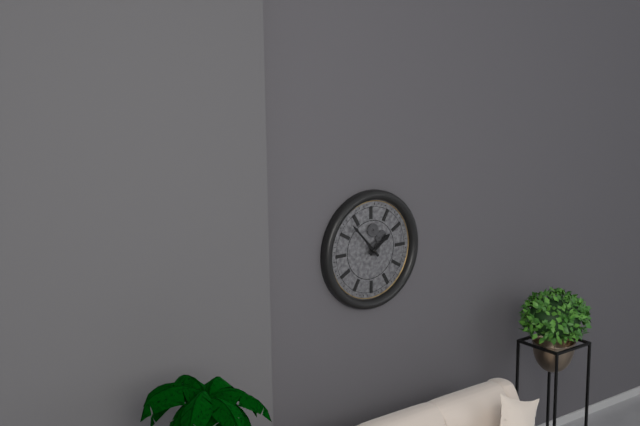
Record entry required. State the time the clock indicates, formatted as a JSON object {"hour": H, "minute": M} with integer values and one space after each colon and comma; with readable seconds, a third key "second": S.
{"hour": 1, "minute": 53}
